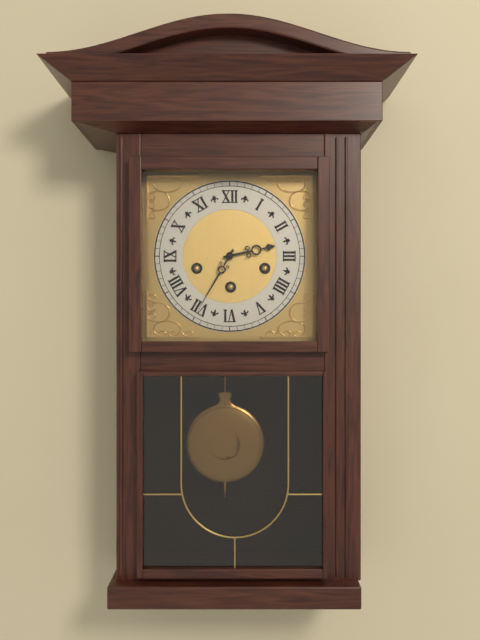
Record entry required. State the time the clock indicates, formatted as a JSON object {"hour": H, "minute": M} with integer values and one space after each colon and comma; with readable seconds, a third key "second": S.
{"hour": 2, "minute": 35}
